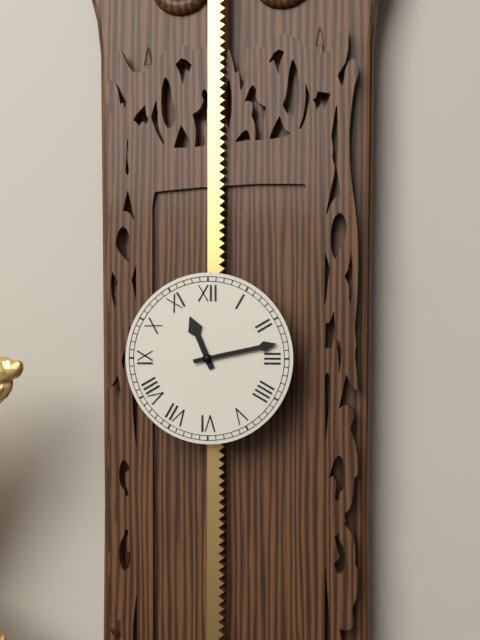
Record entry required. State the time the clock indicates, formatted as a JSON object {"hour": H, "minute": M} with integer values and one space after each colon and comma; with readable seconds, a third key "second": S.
{"hour": 11, "minute": 13}
